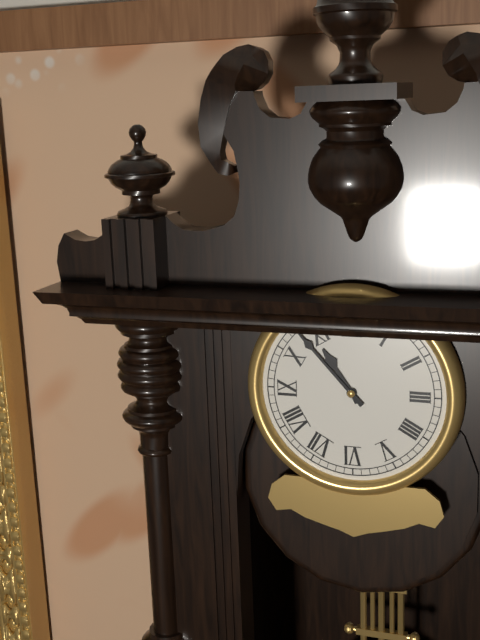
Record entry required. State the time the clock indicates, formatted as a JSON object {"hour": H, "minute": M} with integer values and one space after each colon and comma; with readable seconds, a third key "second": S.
{"hour": 10, "minute": 53}
